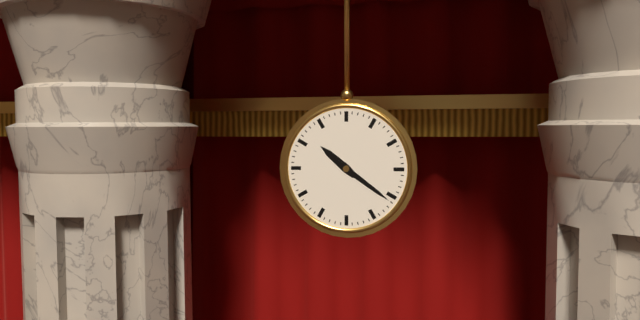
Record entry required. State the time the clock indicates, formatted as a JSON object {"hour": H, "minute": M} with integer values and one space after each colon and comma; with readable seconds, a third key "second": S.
{"hour": 10, "minute": 21}
